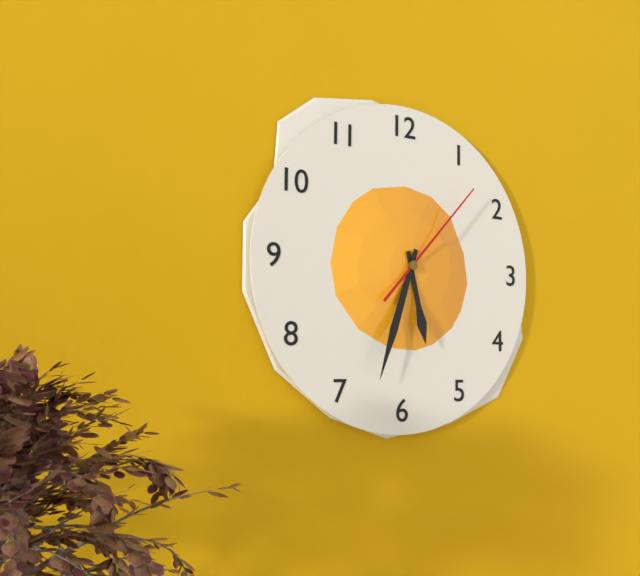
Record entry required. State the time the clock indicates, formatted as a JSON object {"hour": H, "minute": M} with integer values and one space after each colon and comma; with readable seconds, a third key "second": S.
{"hour": 5, "minute": 33, "second": 7}
